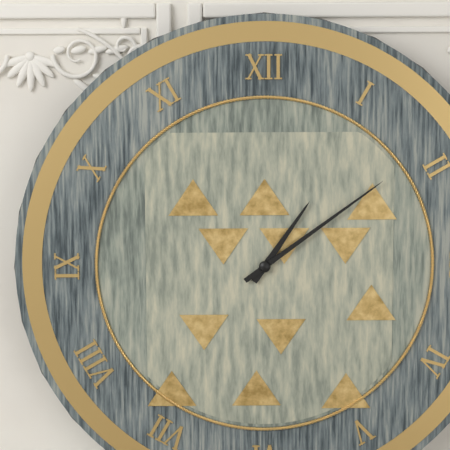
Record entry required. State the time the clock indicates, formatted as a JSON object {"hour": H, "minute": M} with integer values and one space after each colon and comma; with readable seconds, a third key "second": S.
{"hour": 1, "minute": 9}
